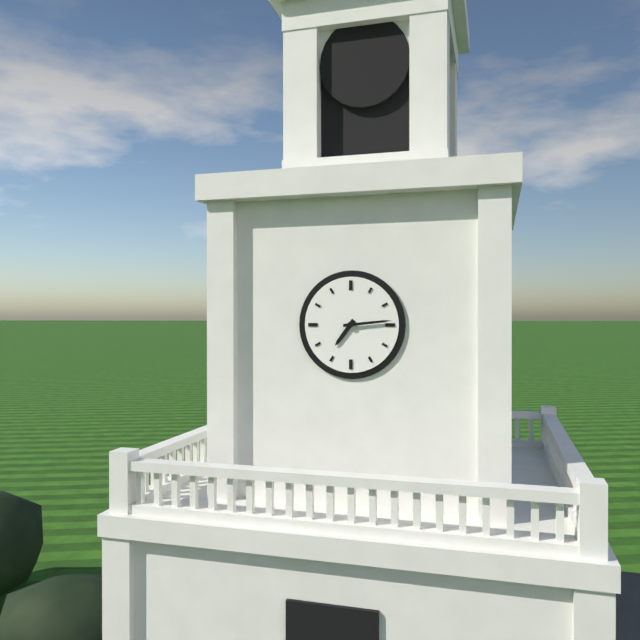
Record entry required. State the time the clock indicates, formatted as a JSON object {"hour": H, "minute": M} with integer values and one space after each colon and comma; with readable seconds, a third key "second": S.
{"hour": 7, "minute": 14}
